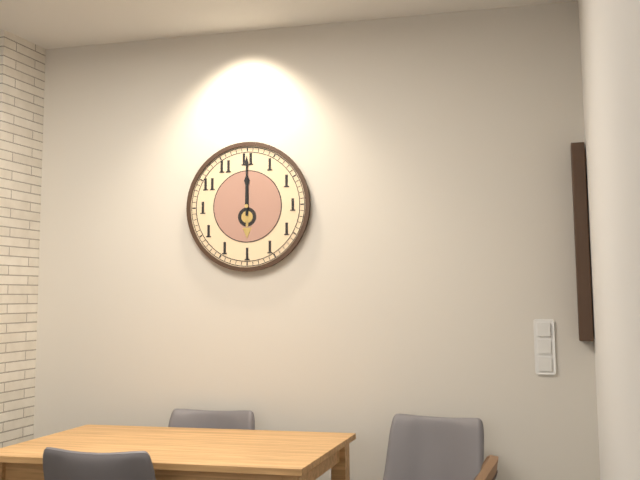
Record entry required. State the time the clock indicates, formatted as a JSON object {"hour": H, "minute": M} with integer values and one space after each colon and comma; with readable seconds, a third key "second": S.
{"hour": 12, "minute": 0}
